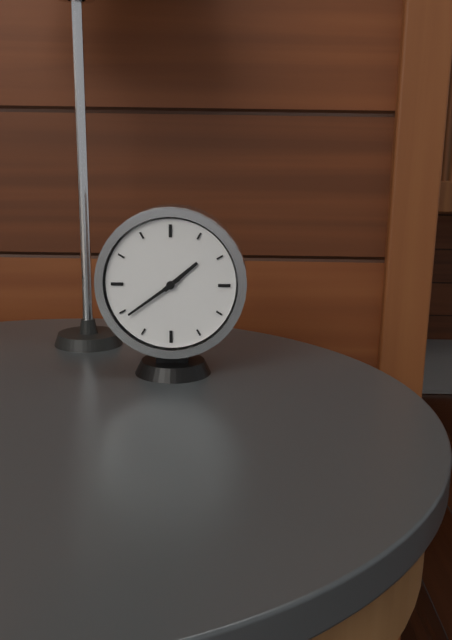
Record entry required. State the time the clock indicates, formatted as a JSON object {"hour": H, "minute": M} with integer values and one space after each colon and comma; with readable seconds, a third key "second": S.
{"hour": 1, "minute": 39}
